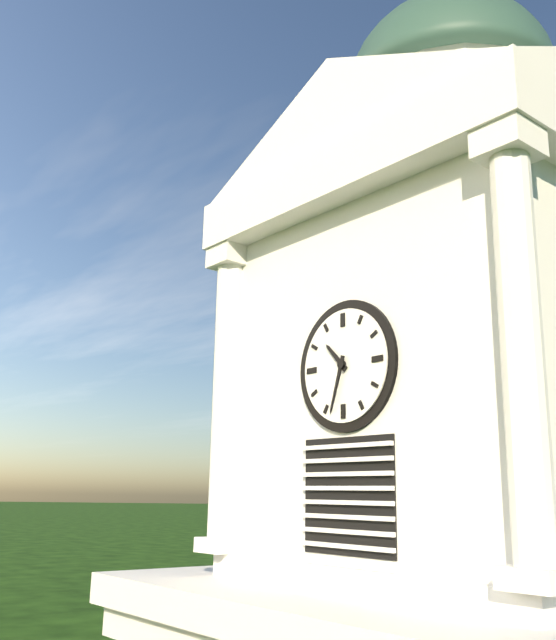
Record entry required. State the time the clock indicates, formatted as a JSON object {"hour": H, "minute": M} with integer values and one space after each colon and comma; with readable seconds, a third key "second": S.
{"hour": 10, "minute": 33}
